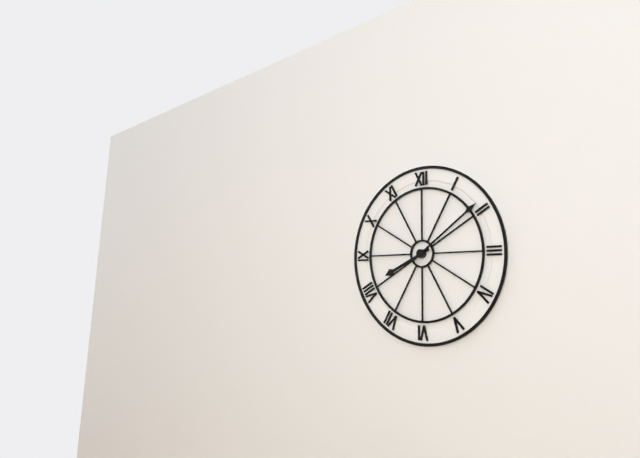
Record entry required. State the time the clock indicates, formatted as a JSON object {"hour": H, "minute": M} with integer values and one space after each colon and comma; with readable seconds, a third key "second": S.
{"hour": 8, "minute": 9}
